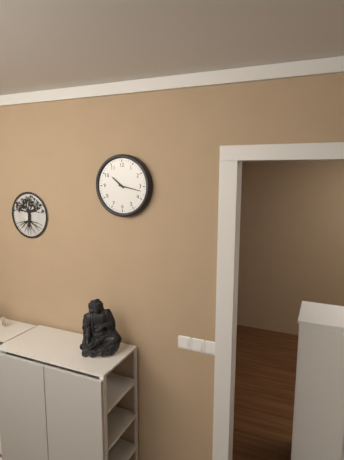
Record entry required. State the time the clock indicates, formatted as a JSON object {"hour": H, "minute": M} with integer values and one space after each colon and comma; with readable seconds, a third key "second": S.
{"hour": 10, "minute": 17}
